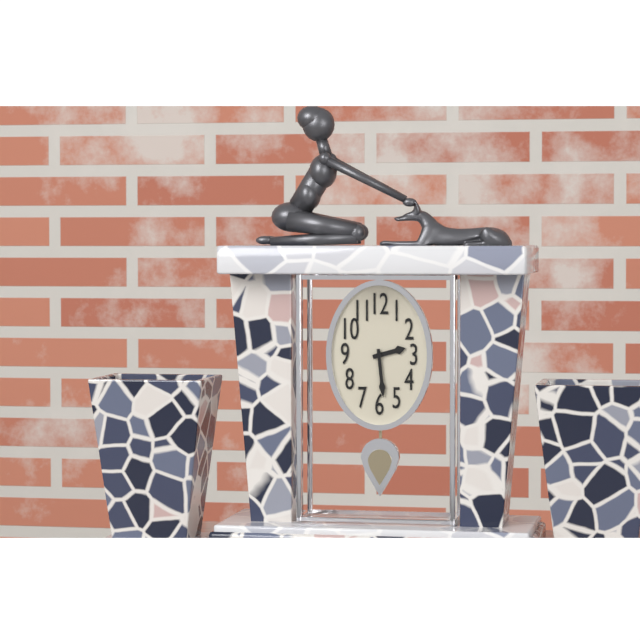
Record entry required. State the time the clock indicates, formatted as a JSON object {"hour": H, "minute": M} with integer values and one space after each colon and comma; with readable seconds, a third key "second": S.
{"hour": 2, "minute": 29}
